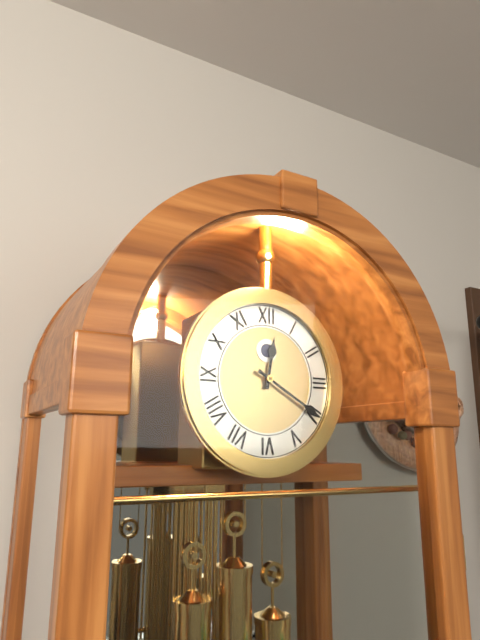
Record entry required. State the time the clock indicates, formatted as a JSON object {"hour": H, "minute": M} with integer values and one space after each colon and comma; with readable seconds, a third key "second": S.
{"hour": 12, "minute": 20}
